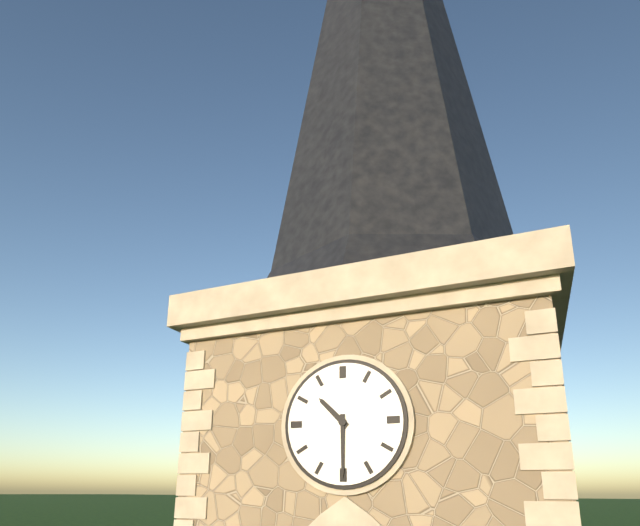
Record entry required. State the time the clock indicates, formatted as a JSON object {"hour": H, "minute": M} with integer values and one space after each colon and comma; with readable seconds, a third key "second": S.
{"hour": 10, "minute": 30}
